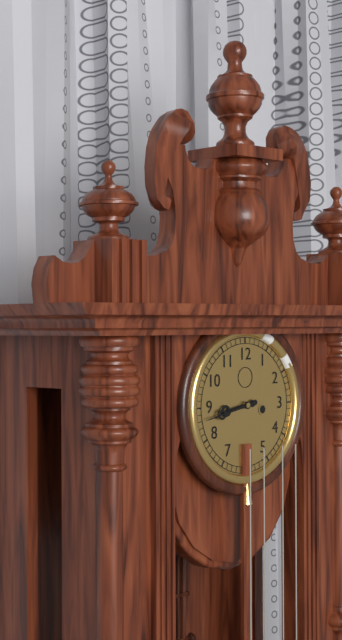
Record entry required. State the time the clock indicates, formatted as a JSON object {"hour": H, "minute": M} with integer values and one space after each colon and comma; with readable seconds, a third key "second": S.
{"hour": 8, "minute": 43}
